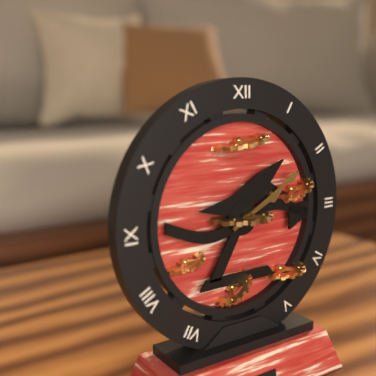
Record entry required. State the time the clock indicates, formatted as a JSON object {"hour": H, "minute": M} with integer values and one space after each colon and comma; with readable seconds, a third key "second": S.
{"hour": 2, "minute": 10}
